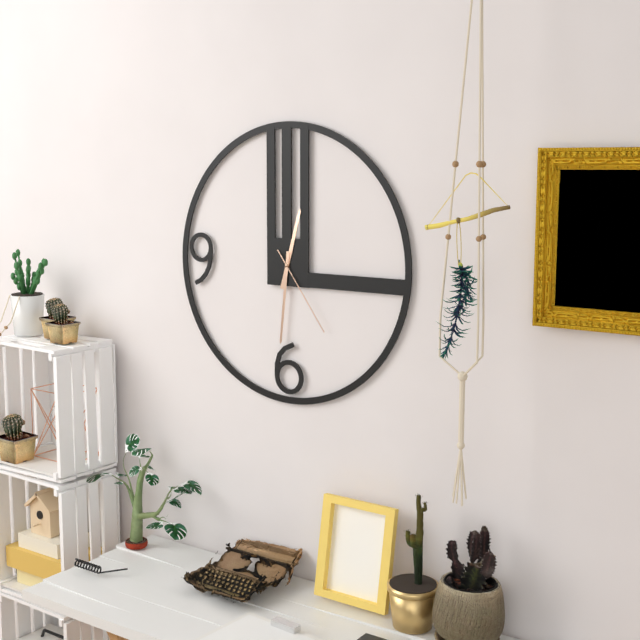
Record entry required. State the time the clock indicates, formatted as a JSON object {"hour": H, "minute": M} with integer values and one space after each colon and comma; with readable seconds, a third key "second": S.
{"hour": 12, "minute": 31, "second": 24}
